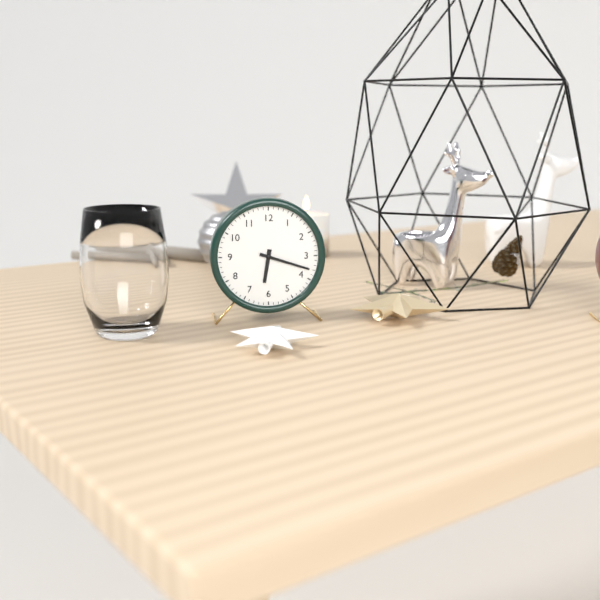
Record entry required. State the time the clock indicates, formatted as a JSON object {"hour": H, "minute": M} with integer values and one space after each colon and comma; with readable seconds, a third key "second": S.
{"hour": 6, "minute": 18}
